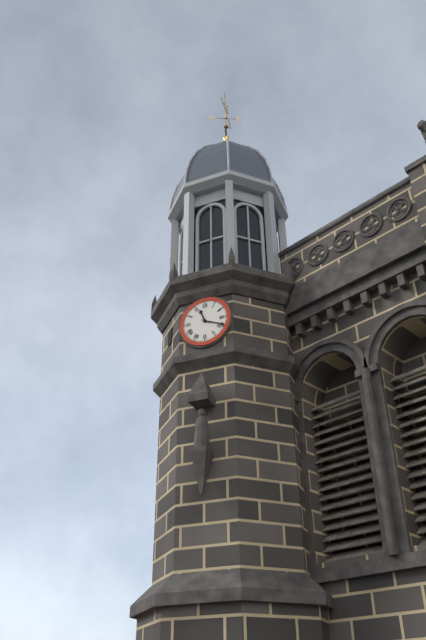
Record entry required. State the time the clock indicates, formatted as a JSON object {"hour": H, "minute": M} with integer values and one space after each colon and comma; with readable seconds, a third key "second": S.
{"hour": 11, "minute": 19}
